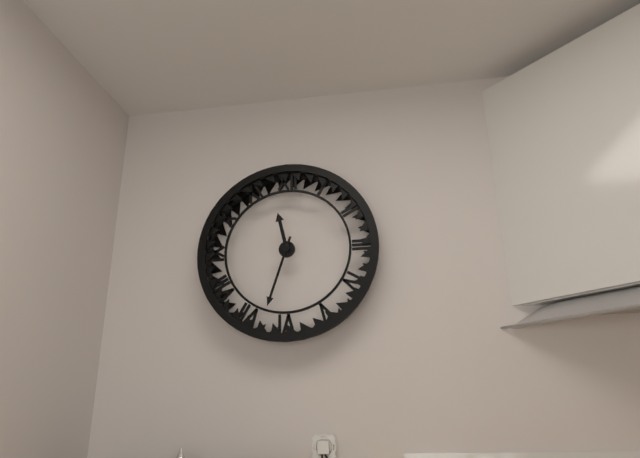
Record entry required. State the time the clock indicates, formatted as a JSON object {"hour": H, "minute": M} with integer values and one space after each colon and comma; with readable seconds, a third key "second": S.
{"hour": 11, "minute": 33}
